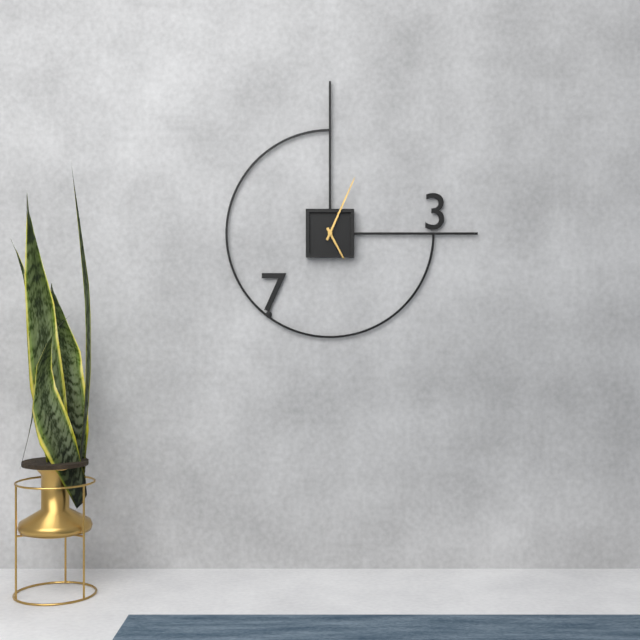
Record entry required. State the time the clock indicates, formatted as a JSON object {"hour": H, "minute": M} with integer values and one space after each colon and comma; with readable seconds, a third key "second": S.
{"hour": 5, "minute": 4}
